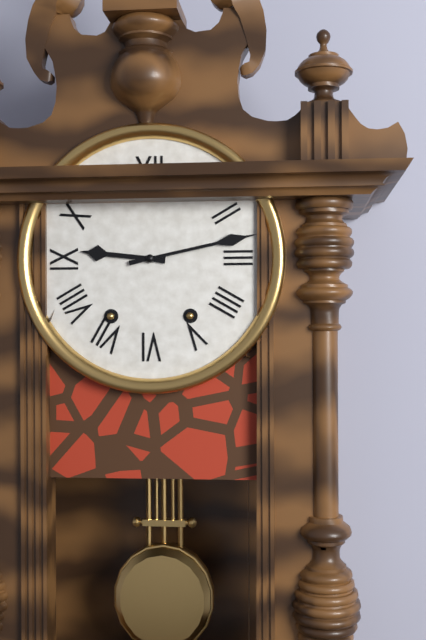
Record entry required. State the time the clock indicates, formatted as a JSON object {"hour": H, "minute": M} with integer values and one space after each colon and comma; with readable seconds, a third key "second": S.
{"hour": 9, "minute": 13}
